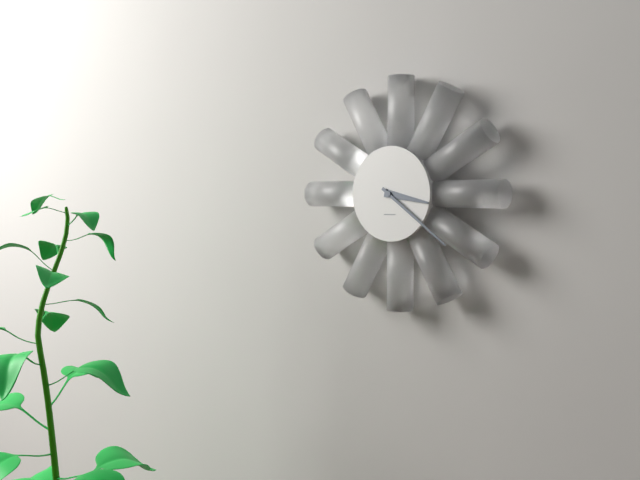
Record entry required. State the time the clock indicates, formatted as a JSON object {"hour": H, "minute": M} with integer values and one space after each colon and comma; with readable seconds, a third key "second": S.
{"hour": 3, "minute": 21}
